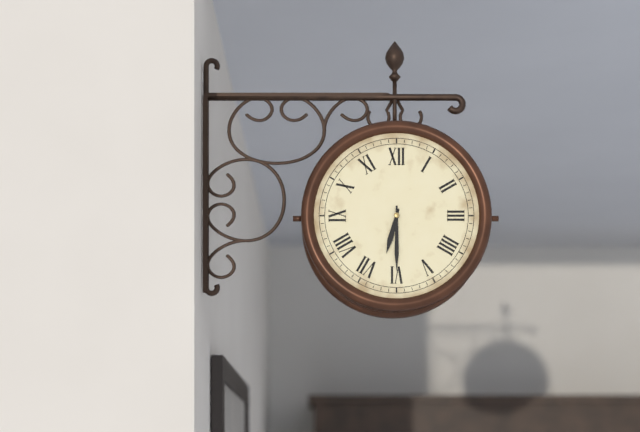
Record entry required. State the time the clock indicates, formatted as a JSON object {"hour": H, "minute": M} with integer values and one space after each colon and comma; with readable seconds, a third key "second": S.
{"hour": 6, "minute": 30}
